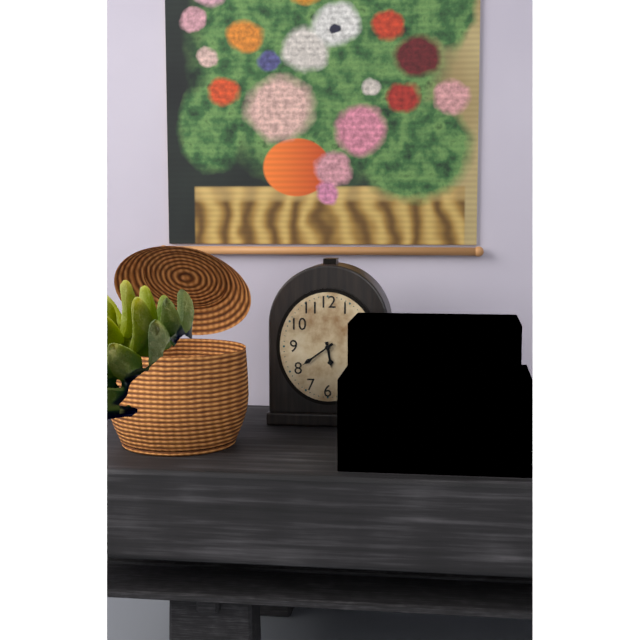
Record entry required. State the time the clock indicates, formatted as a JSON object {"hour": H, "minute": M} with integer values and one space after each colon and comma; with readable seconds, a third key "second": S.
{"hour": 5, "minute": 39}
